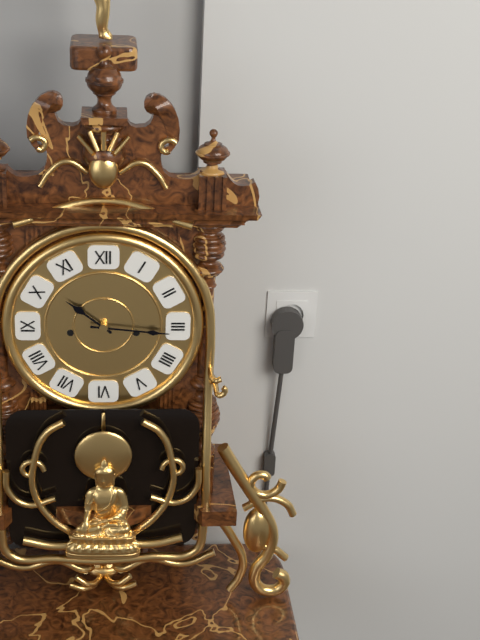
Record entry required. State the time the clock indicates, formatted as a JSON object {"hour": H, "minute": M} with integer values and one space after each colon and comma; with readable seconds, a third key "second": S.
{"hour": 10, "minute": 16}
